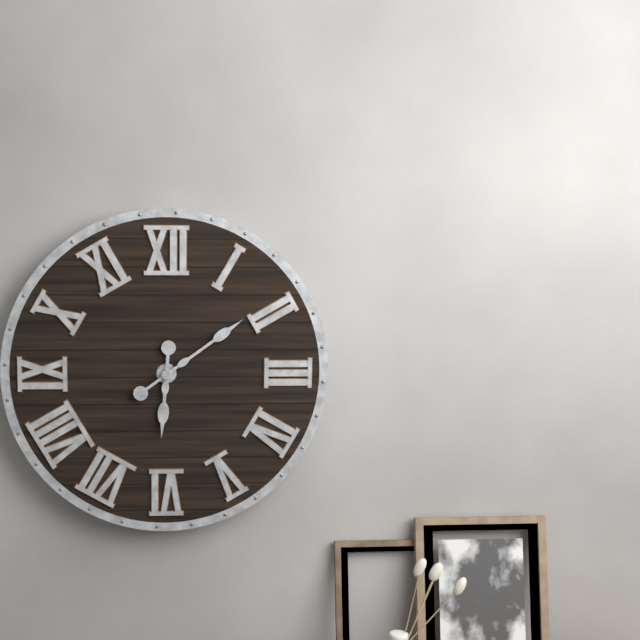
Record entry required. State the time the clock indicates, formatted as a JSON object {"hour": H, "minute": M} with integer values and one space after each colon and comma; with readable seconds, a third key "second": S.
{"hour": 6, "minute": 9}
